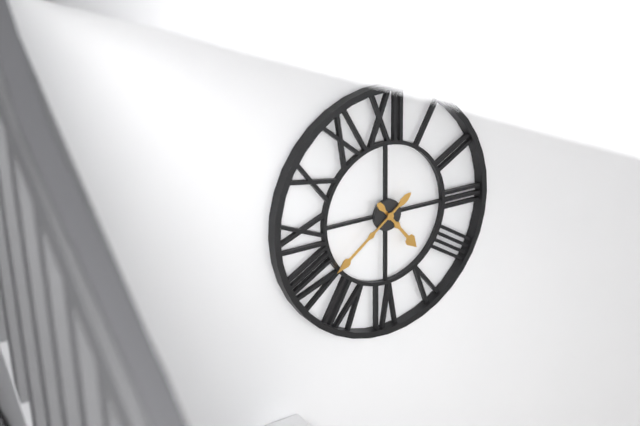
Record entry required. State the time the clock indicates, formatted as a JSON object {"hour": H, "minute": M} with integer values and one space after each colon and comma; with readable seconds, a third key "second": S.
{"hour": 4, "minute": 39}
